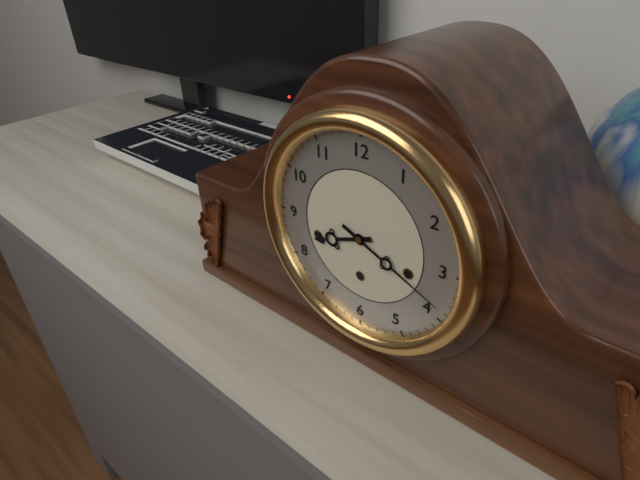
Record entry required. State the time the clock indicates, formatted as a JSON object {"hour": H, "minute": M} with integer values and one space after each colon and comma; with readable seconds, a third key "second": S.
{"hour": 8, "minute": 19}
